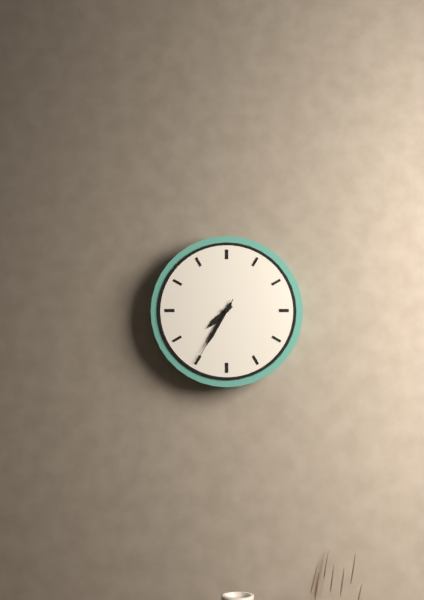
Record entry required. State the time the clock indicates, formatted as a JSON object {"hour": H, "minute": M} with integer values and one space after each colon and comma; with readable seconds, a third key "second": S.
{"hour": 7, "minute": 35, "second": 35}
